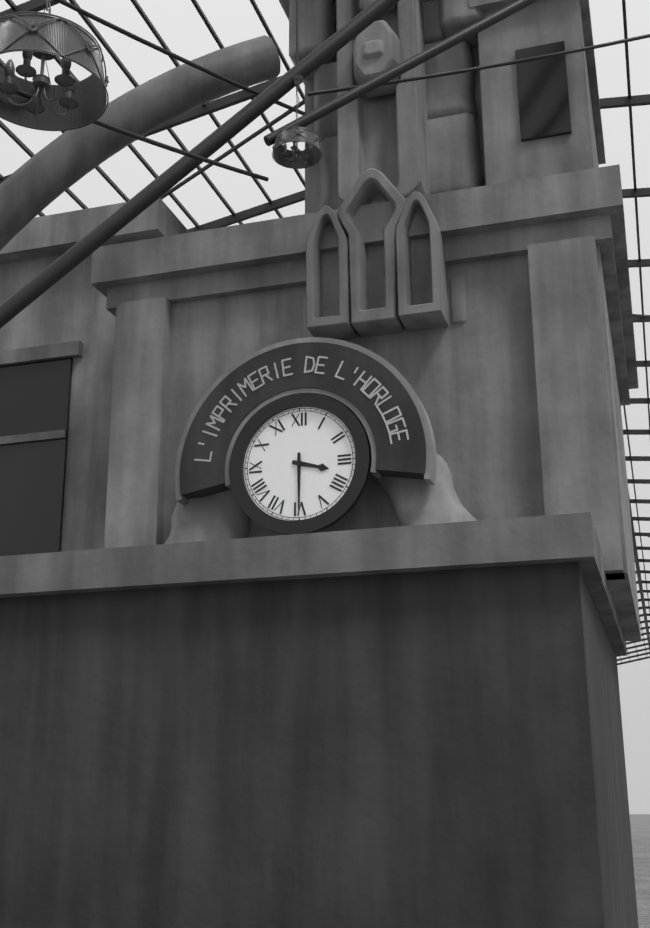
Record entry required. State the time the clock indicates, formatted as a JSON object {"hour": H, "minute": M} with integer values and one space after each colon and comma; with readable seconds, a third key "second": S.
{"hour": 3, "minute": 30}
